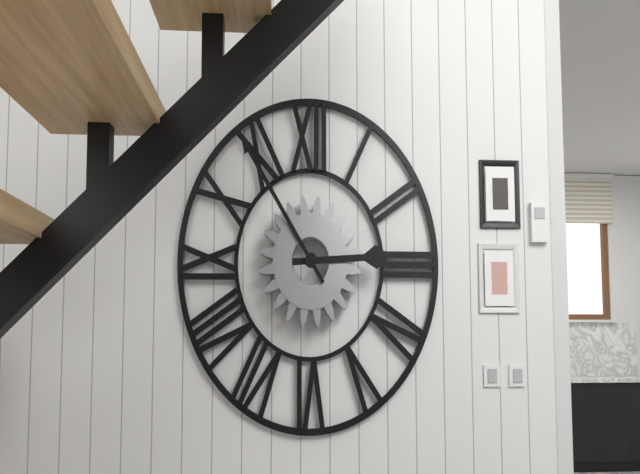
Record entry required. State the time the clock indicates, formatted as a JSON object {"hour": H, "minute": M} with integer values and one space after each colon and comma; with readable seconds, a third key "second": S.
{"hour": 2, "minute": 54}
